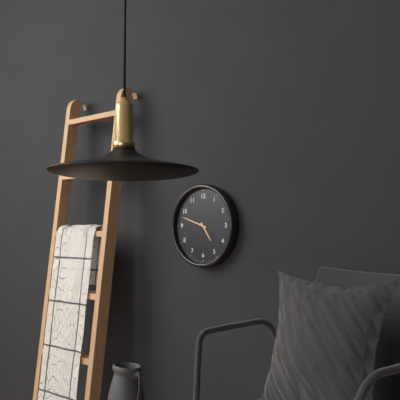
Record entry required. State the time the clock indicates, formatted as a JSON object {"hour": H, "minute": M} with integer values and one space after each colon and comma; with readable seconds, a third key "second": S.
{"hour": 4, "minute": 48}
